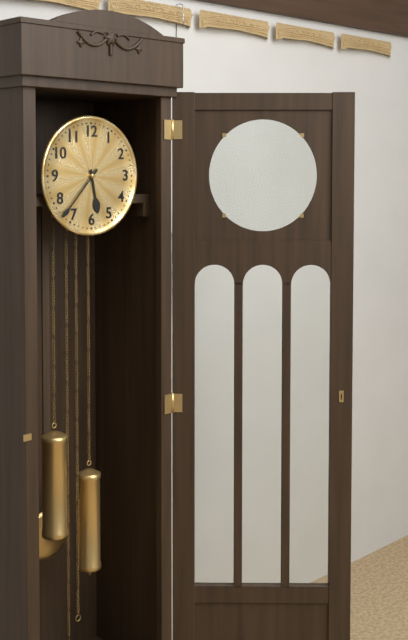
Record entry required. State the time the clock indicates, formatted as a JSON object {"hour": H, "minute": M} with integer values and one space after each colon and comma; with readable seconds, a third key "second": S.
{"hour": 5, "minute": 37}
